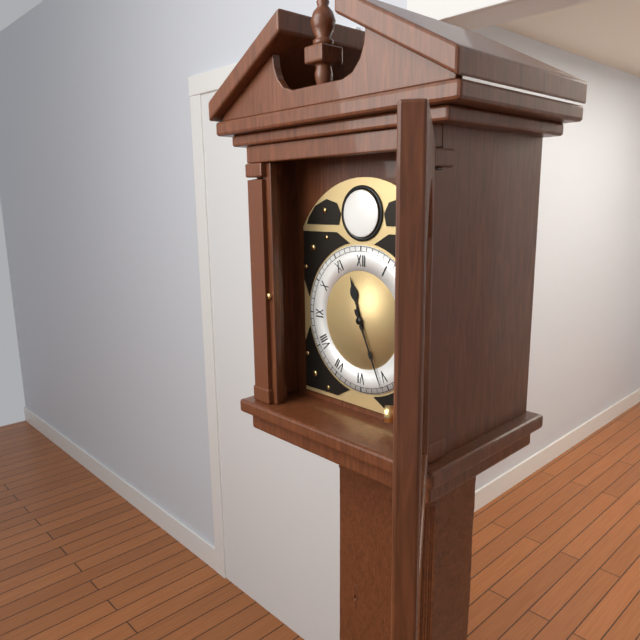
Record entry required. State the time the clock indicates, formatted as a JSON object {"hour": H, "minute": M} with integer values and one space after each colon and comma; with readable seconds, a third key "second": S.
{"hour": 11, "minute": 26}
